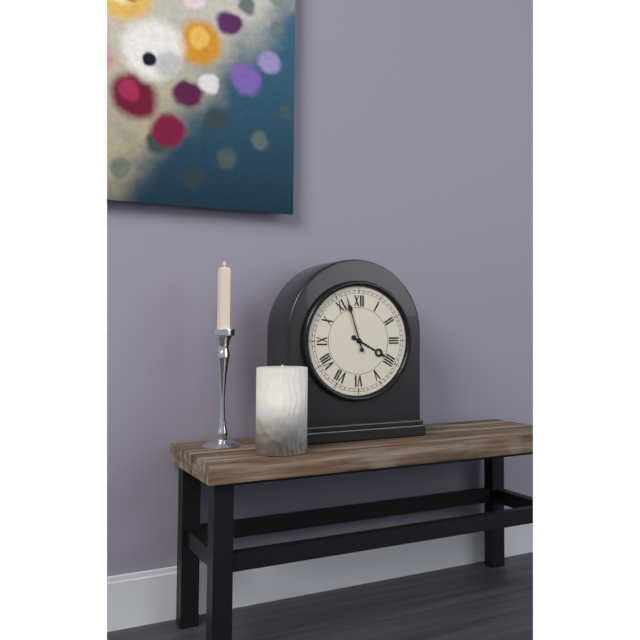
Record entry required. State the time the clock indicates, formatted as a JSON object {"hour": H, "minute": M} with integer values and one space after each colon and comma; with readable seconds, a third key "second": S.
{"hour": 3, "minute": 57}
